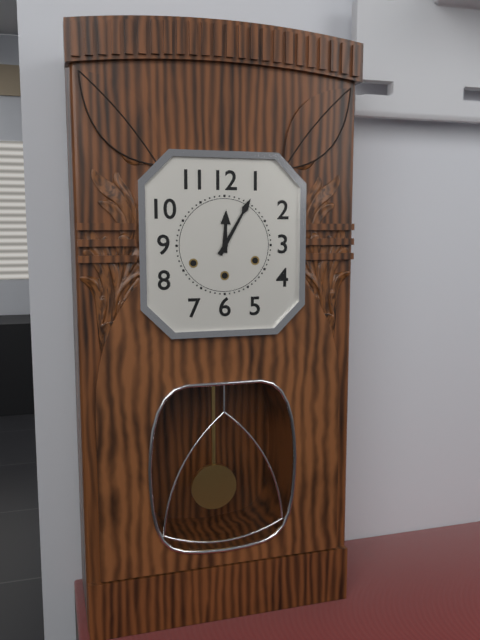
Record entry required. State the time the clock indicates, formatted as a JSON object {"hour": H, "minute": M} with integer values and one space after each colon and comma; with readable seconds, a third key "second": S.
{"hour": 12, "minute": 5}
